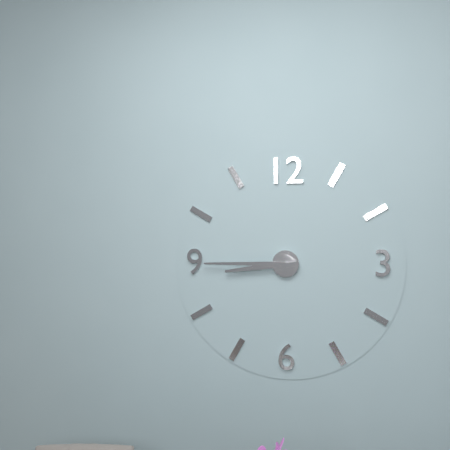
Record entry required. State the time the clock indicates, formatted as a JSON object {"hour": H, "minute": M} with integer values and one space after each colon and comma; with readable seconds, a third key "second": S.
{"hour": 8, "minute": 45}
